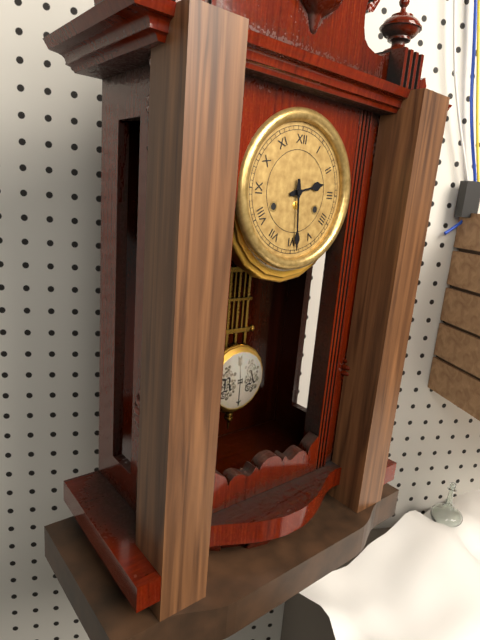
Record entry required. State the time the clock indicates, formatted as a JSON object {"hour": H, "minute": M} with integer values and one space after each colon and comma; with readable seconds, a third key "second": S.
{"hour": 2, "minute": 29}
